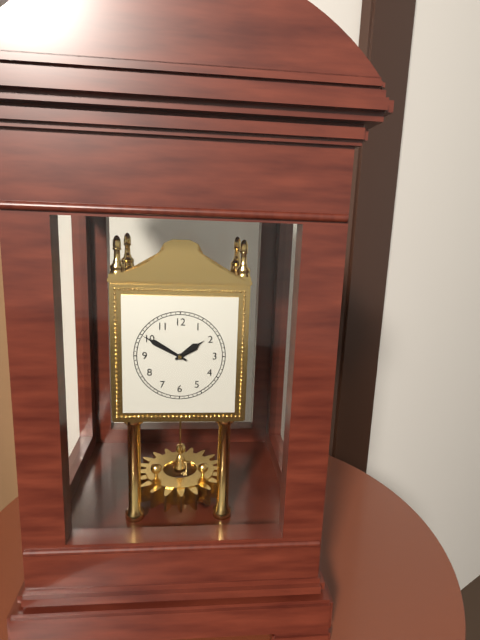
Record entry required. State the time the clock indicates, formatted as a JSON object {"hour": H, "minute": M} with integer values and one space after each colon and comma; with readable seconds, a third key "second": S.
{"hour": 1, "minute": 50}
